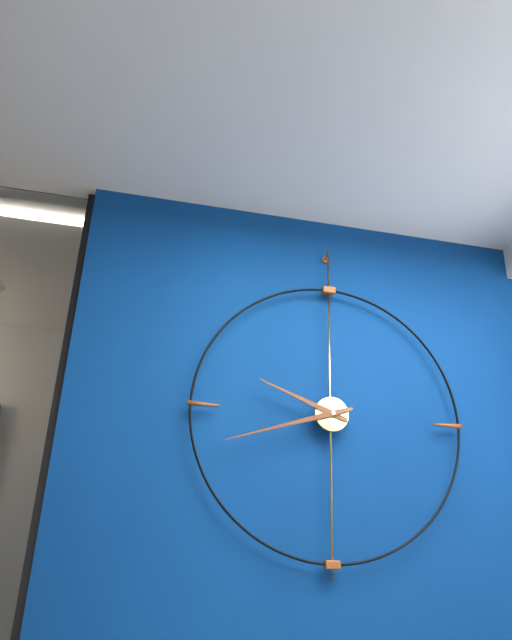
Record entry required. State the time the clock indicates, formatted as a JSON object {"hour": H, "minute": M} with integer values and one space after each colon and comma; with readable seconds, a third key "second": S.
{"hour": 9, "minute": 42}
